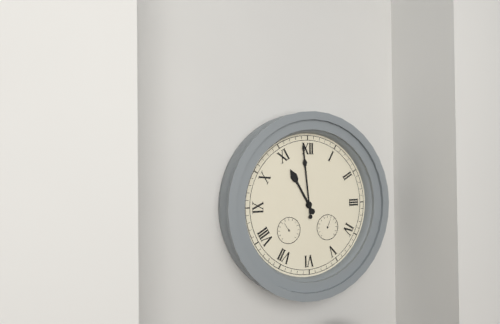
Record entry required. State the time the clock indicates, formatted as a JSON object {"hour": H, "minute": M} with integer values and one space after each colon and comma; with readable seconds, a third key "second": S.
{"hour": 10, "minute": 59}
